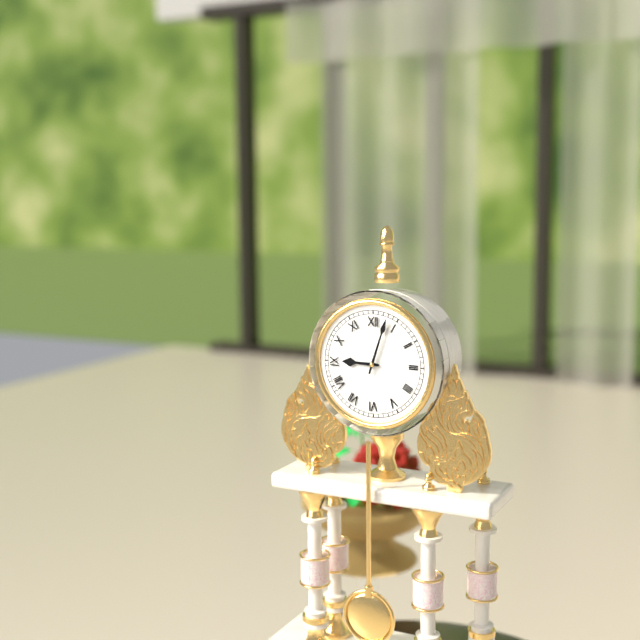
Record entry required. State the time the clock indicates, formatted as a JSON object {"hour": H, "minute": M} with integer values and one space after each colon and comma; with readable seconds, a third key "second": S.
{"hour": 9, "minute": 3}
